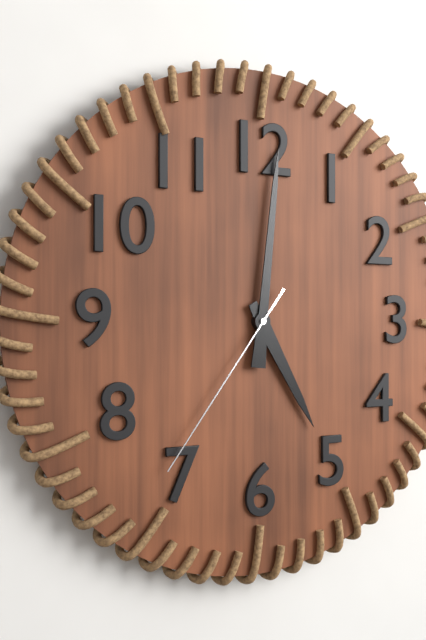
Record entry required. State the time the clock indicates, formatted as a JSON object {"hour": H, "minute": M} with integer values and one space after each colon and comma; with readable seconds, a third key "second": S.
{"hour": 5, "minute": 1, "second": 36}
